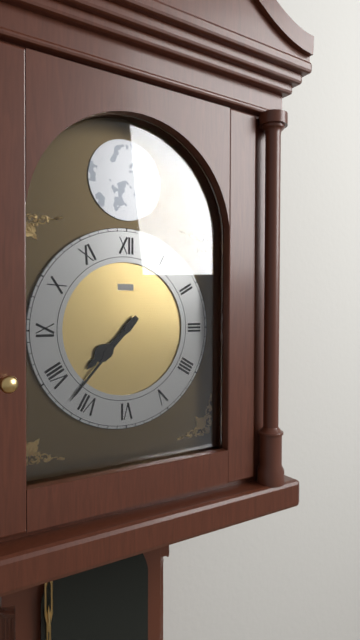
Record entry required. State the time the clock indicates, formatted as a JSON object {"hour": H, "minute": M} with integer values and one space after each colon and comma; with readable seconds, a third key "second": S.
{"hour": 7, "minute": 37}
